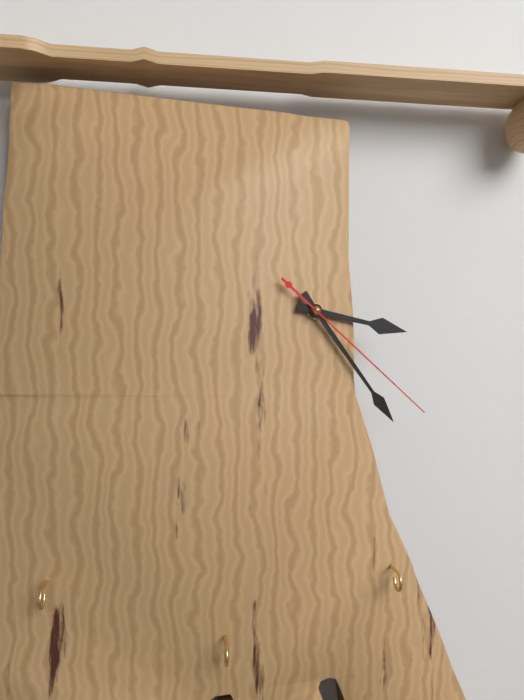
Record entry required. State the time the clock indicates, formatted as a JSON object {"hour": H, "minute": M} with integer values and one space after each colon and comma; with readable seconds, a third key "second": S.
{"hour": 3, "minute": 24, "second": 22}
